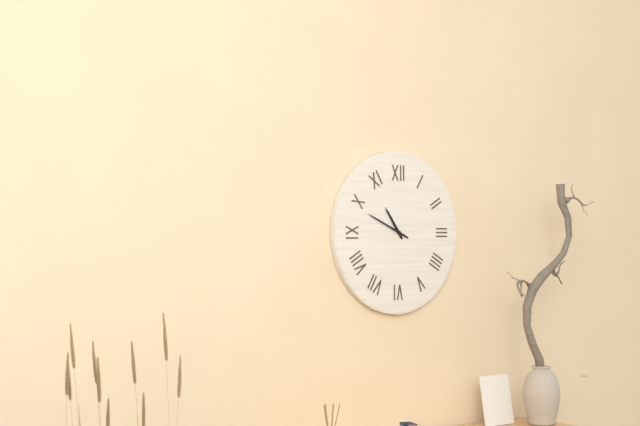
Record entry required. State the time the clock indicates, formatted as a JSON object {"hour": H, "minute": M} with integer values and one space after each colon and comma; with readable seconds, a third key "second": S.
{"hour": 10, "minute": 49}
